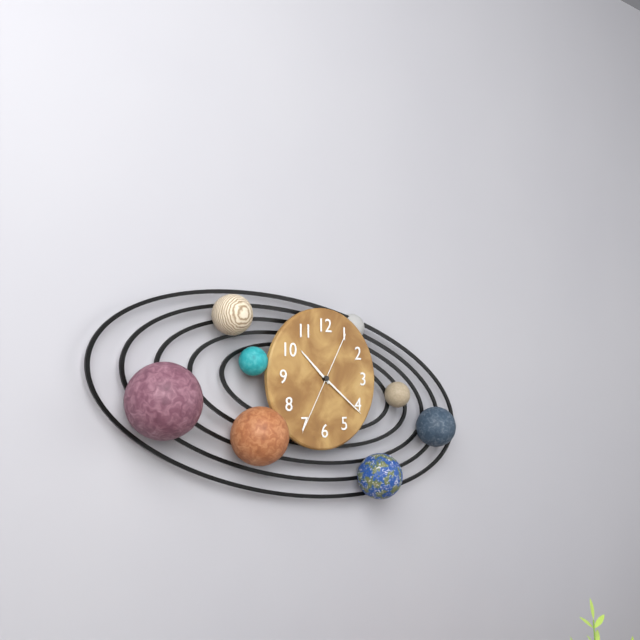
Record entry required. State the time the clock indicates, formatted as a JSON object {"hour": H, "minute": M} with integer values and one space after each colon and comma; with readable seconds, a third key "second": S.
{"hour": 10, "minute": 21, "second": 35}
